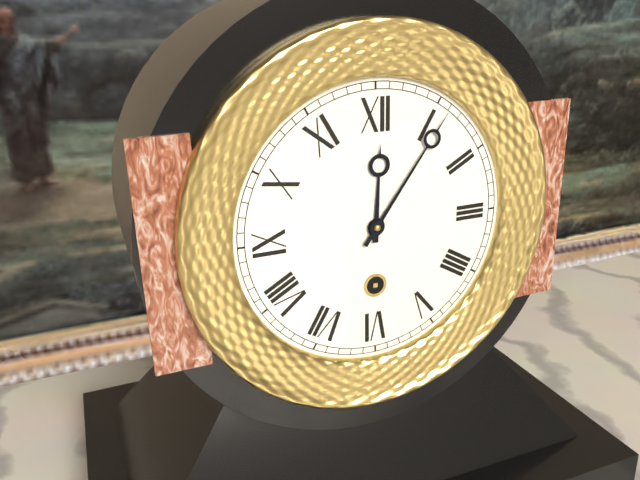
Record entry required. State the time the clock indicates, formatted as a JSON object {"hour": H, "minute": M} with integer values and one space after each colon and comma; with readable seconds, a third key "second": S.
{"hour": 12, "minute": 6}
